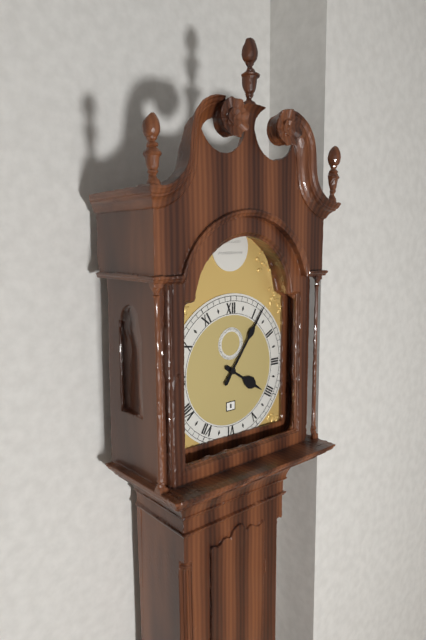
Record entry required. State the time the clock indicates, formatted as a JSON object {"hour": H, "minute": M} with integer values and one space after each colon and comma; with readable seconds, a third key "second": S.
{"hour": 4, "minute": 6}
